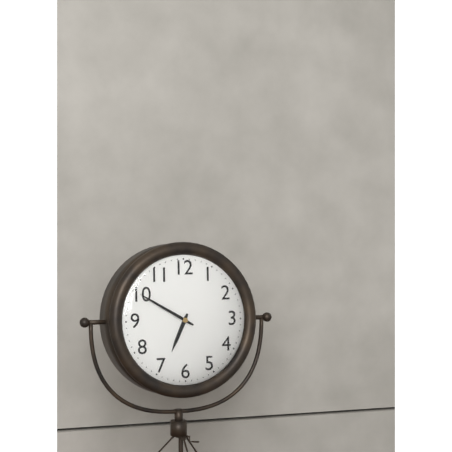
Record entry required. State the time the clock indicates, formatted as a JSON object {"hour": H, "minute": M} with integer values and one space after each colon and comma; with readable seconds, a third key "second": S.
{"hour": 6, "minute": 50}
